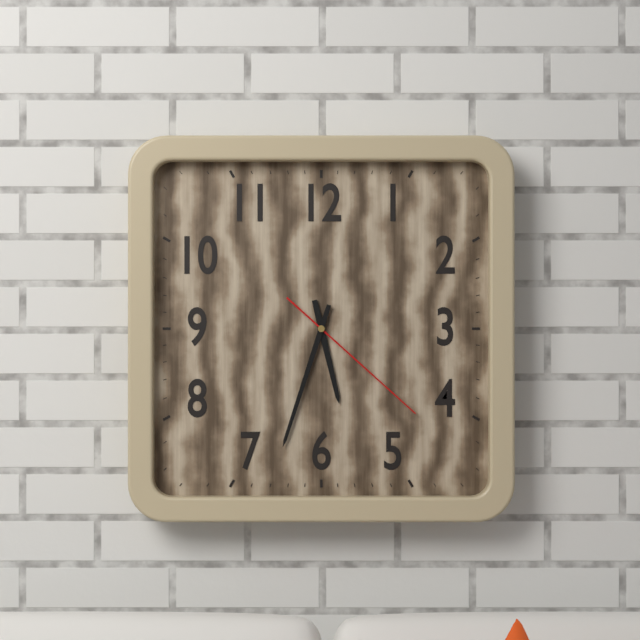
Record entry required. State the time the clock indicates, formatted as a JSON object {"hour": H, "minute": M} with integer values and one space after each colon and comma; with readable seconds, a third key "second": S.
{"hour": 5, "minute": 33, "second": 22}
